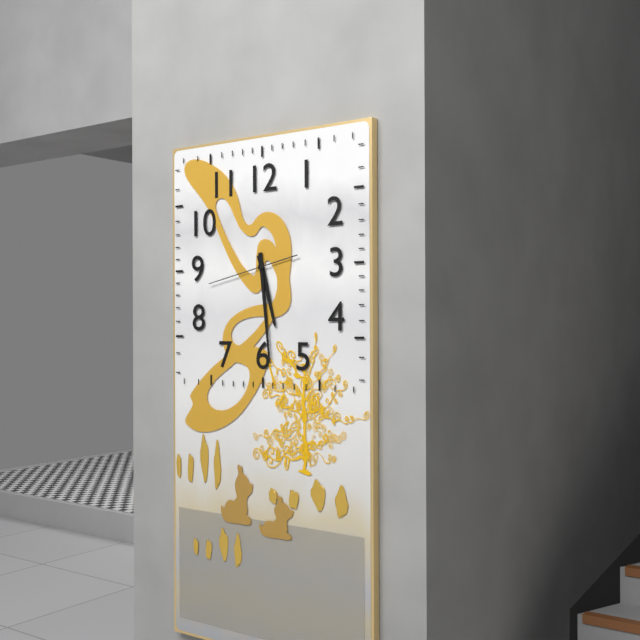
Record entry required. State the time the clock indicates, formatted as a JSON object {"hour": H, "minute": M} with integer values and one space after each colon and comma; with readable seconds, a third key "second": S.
{"hour": 5, "minute": 29, "second": 43}
